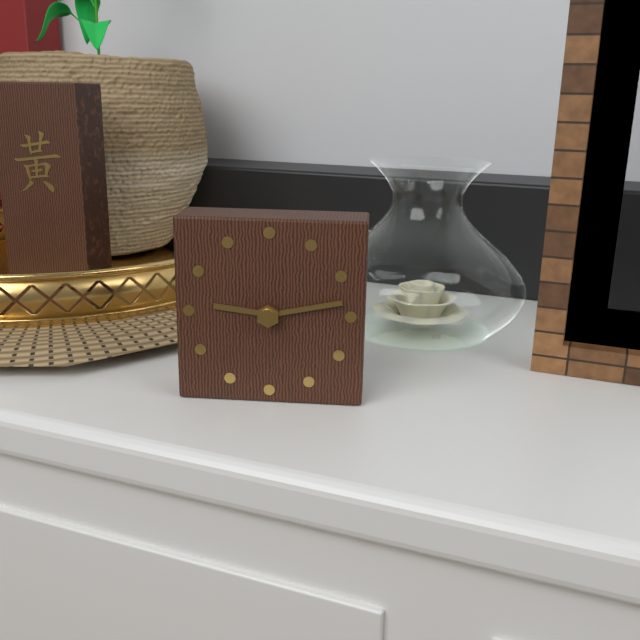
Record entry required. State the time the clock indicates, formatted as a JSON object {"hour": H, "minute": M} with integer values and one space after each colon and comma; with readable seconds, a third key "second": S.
{"hour": 9, "minute": 13}
